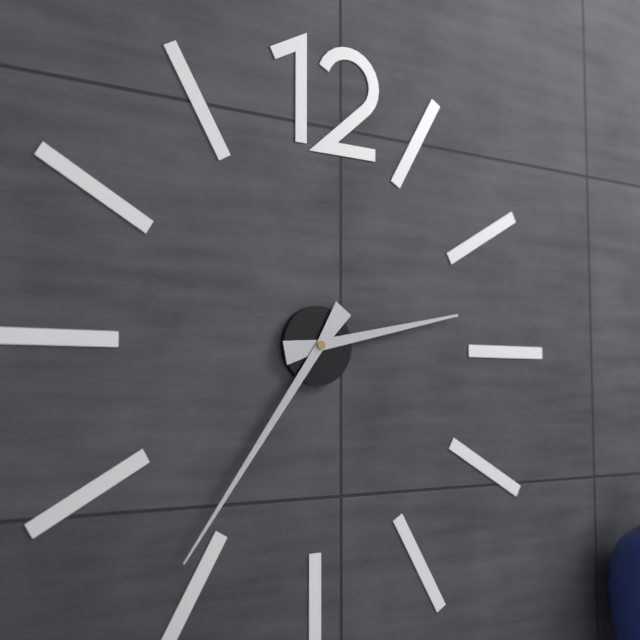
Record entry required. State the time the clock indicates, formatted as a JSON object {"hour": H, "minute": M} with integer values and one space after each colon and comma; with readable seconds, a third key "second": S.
{"hour": 2, "minute": 36}
